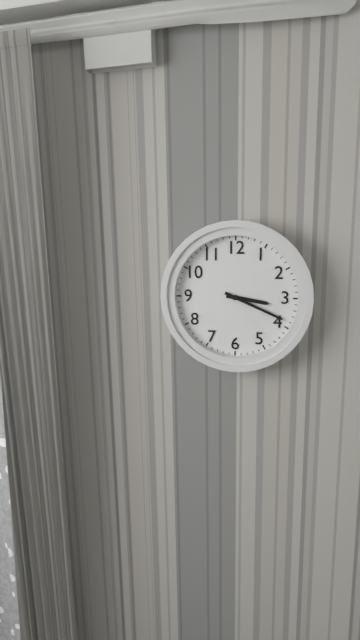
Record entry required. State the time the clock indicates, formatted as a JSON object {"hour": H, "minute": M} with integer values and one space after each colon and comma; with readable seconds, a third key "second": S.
{"hour": 3, "minute": 19}
